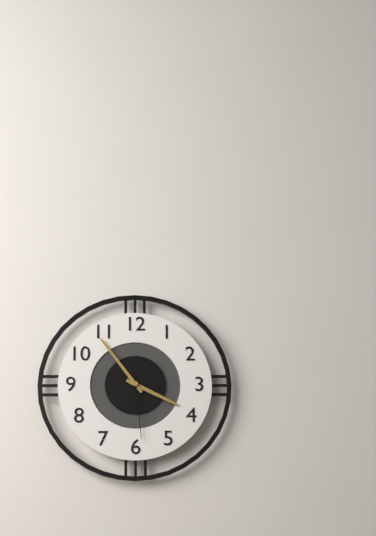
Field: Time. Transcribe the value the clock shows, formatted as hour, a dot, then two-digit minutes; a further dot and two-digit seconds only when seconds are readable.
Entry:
3.54.29
